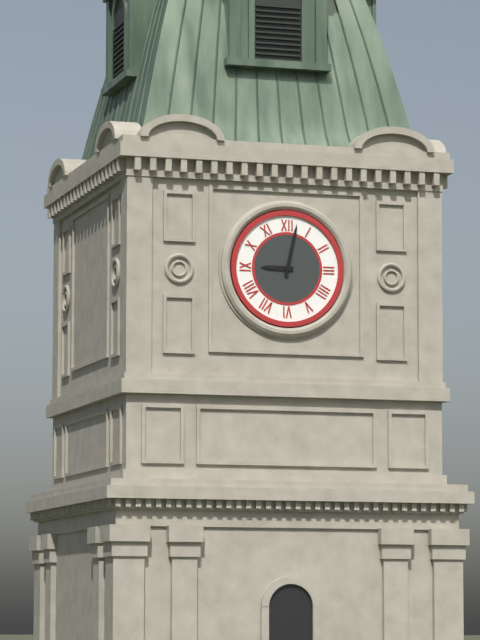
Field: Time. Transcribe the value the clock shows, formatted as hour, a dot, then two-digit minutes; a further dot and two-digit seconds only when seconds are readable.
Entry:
9.02
